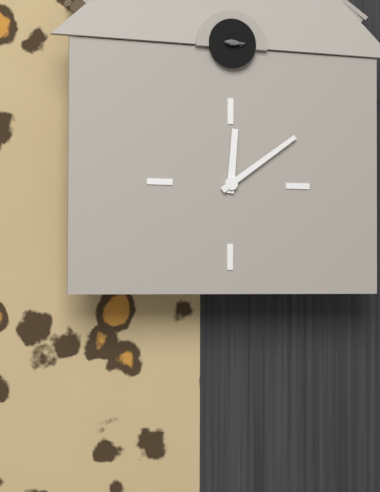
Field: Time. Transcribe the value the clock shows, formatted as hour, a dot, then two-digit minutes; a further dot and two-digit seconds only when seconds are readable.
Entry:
12.09
